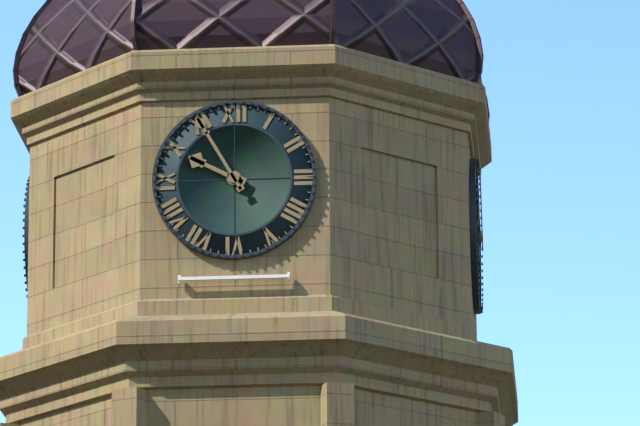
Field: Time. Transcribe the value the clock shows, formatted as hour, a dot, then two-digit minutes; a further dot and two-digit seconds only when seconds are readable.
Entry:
9.55
